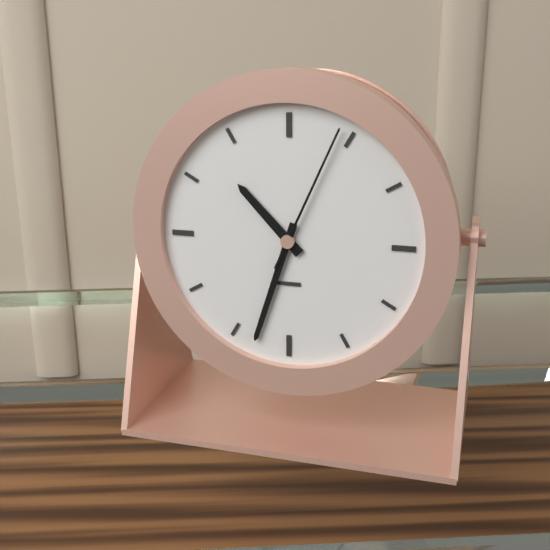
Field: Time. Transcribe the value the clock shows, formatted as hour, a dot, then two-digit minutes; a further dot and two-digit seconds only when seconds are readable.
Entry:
10.33.04
